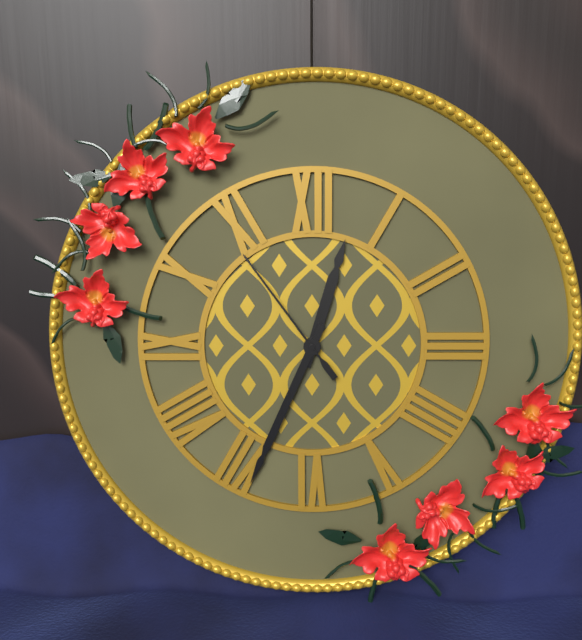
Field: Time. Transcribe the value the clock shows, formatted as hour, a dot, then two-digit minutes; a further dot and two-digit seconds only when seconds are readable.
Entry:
12.34.54
